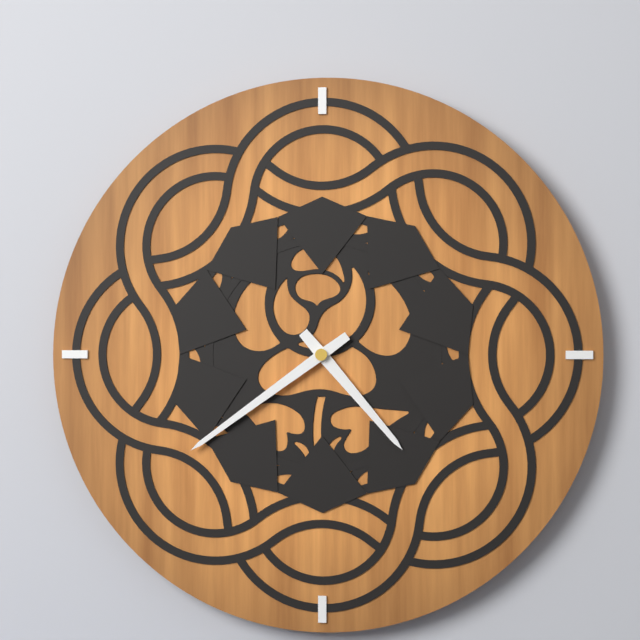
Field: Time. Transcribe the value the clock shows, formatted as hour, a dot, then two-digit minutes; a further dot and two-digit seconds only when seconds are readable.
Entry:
4.39
